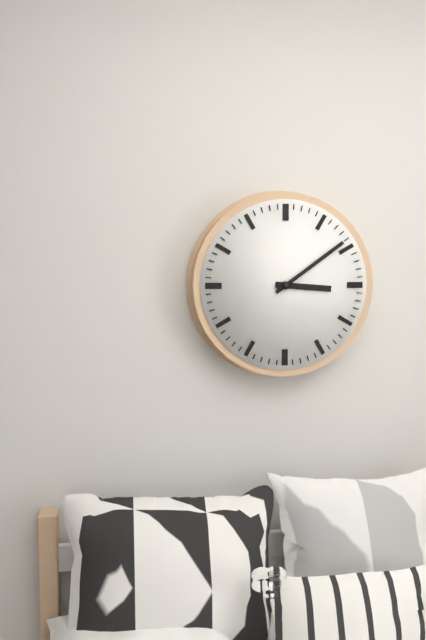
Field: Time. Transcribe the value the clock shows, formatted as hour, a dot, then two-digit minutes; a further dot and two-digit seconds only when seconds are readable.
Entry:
3.09
